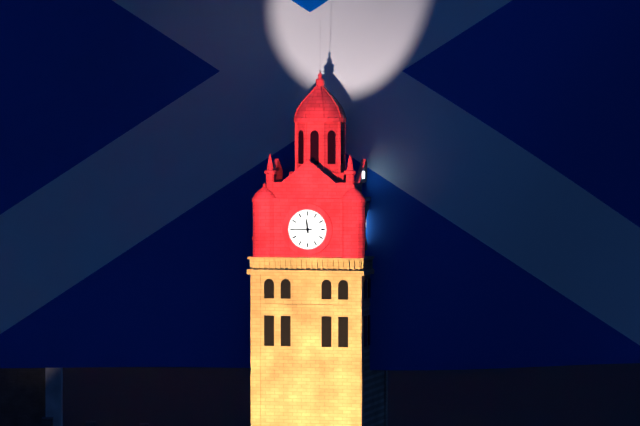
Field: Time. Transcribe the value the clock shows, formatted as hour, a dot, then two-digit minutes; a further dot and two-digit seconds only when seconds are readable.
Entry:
11.45
